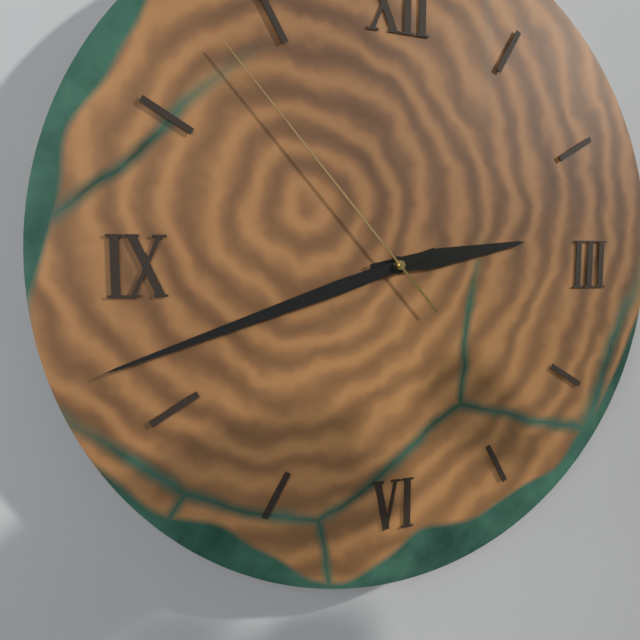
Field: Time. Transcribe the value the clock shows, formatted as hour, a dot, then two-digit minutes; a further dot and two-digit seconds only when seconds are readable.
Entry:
2.42.53
